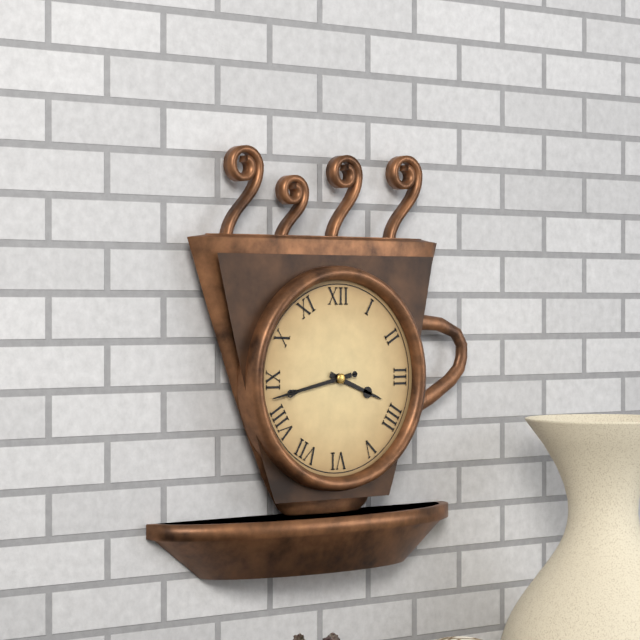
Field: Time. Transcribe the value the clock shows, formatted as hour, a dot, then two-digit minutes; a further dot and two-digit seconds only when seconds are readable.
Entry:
3.43.43
